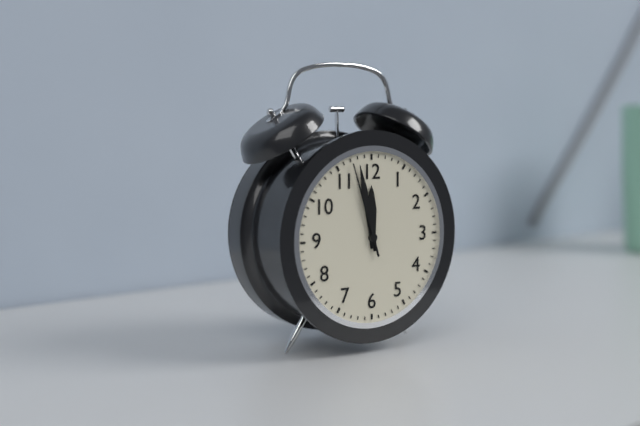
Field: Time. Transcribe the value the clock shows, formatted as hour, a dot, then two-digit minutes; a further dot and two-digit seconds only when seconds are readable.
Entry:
11.58.57
